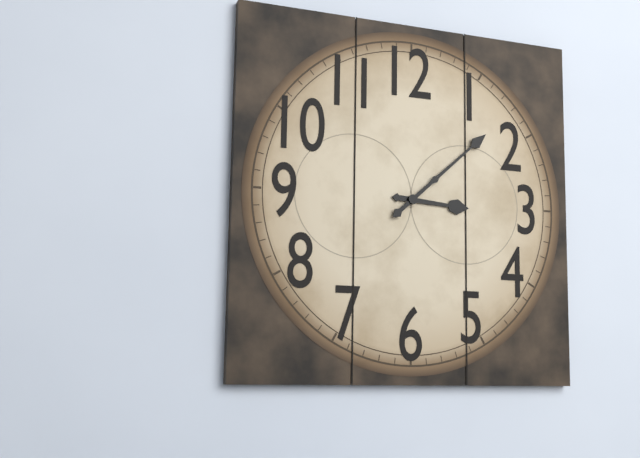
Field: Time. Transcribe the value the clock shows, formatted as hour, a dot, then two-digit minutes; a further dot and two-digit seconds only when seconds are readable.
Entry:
3.08
